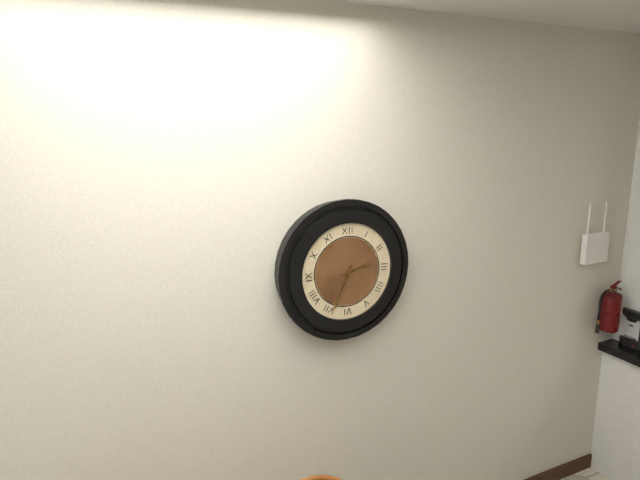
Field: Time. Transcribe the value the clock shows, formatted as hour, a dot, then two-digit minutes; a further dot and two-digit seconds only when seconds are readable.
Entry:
2.34
